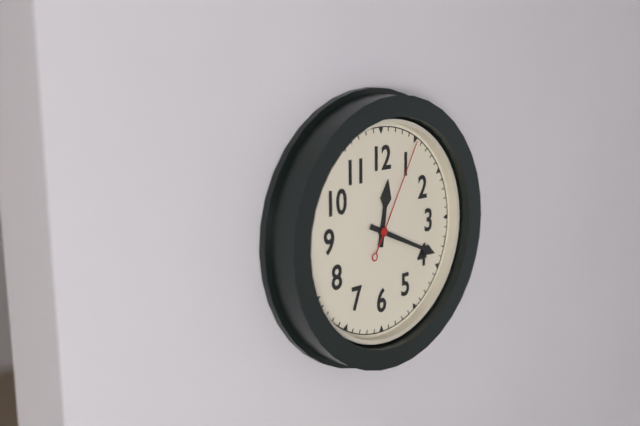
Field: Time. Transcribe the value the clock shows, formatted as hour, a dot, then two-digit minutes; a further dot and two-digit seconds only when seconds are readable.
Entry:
12.19.05
